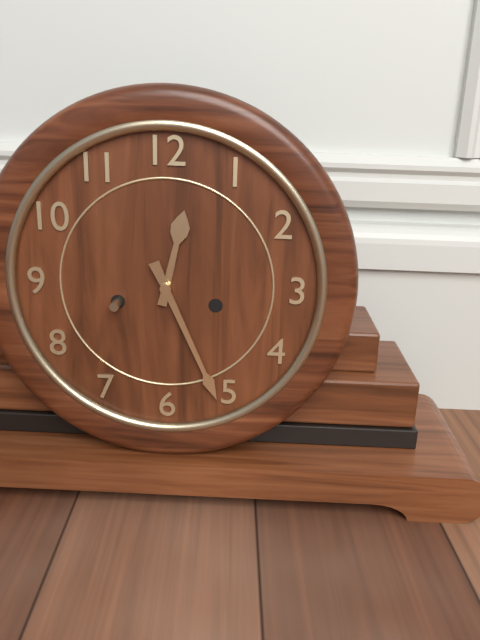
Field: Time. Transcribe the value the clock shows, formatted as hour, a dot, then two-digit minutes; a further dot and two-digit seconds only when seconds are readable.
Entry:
12.26
